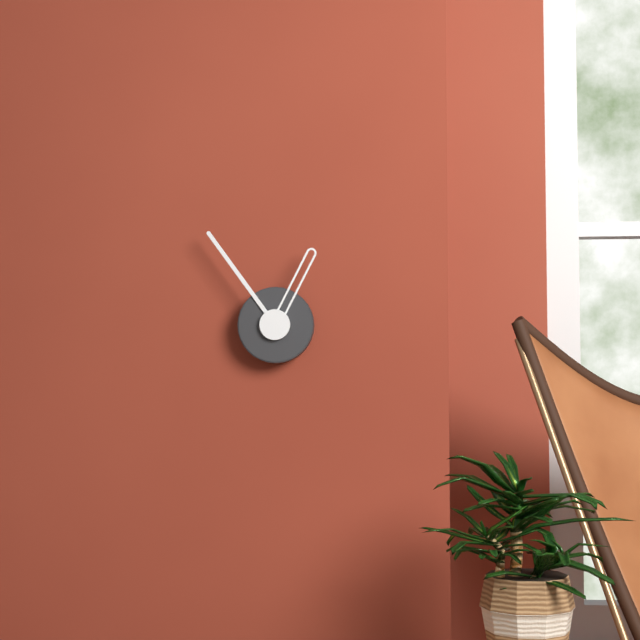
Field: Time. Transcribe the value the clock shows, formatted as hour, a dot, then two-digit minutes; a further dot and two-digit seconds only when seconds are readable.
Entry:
12.54
